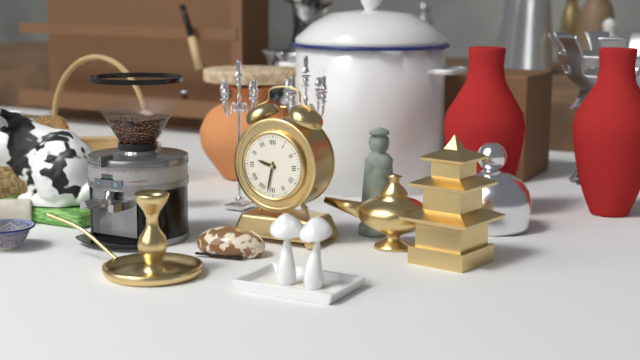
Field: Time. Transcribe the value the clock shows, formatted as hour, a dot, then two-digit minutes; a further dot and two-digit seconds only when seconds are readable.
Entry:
9.32
